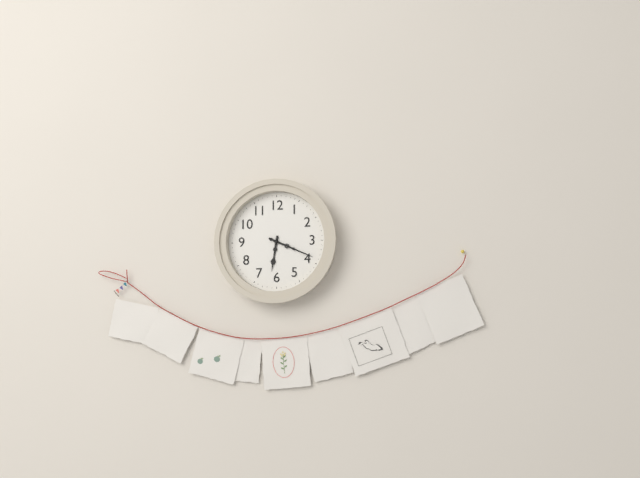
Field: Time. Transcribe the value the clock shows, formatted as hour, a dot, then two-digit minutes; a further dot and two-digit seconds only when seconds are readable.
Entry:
6.19
